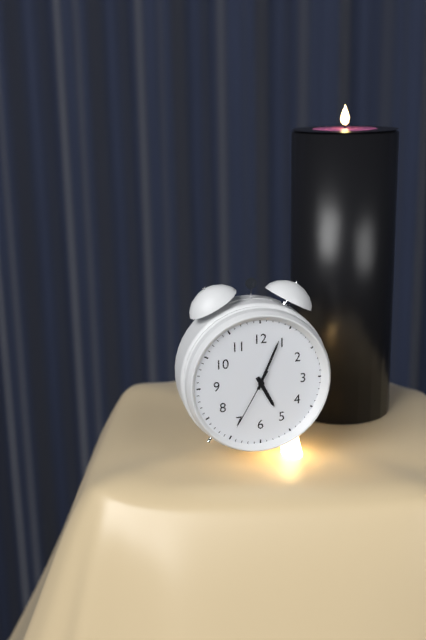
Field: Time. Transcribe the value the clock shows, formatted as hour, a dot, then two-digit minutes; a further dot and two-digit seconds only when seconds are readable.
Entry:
5.04.35
